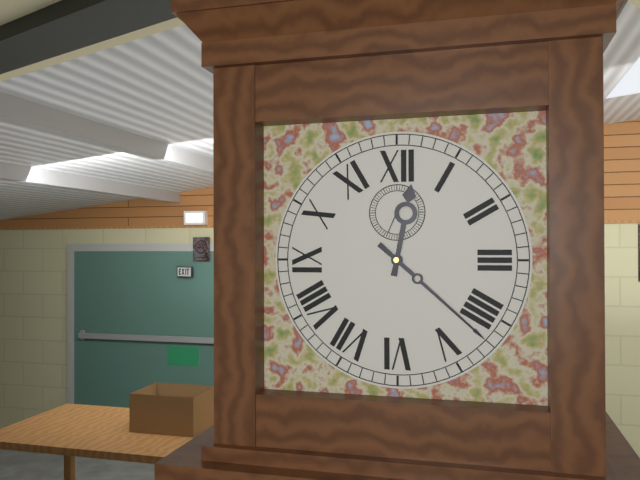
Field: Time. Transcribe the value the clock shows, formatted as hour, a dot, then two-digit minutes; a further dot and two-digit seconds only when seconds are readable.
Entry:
12.22
